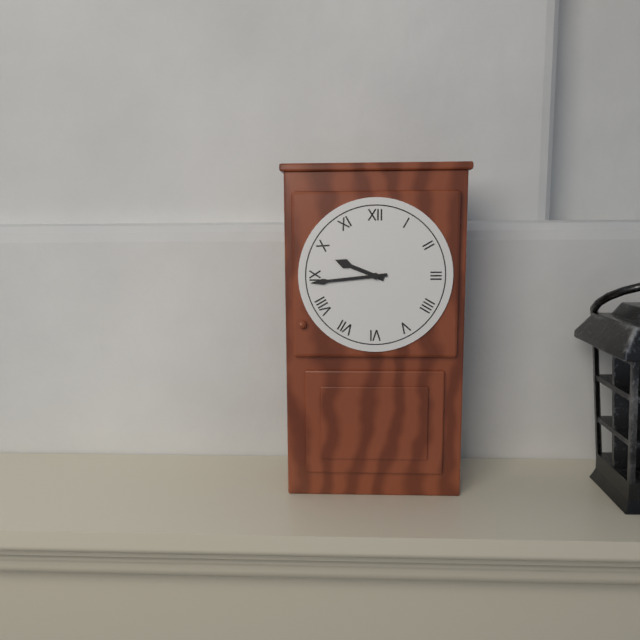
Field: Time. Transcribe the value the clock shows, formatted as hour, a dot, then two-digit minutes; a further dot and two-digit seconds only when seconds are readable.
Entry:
9.44
